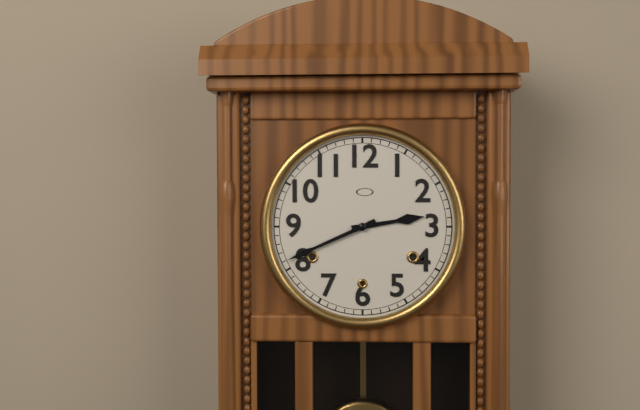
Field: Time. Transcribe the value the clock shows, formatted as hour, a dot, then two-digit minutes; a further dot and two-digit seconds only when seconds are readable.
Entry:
2.41
